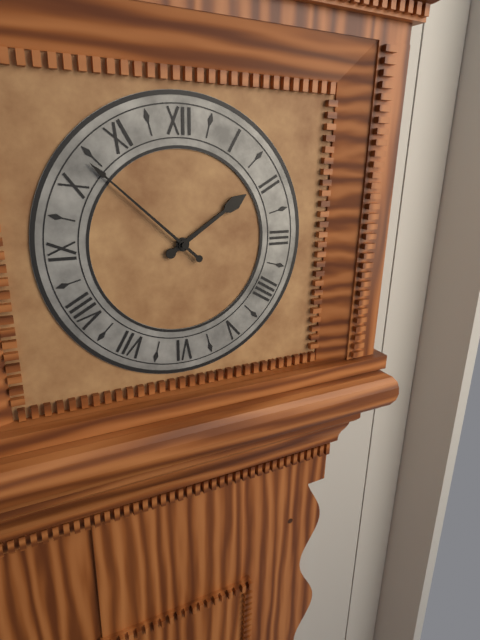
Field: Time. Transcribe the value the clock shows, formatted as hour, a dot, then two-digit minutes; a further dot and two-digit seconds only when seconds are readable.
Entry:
1.52
